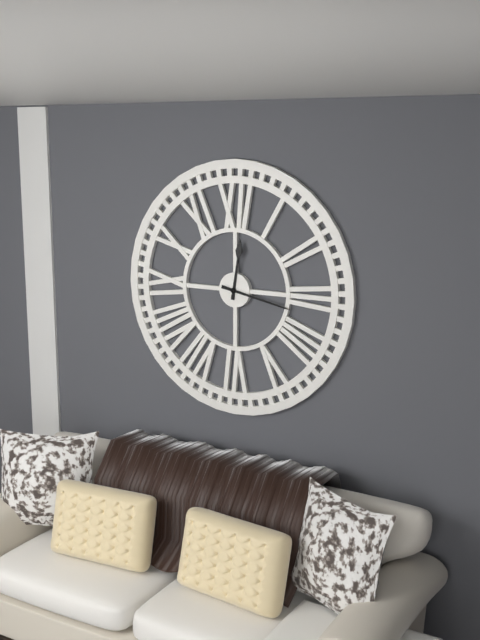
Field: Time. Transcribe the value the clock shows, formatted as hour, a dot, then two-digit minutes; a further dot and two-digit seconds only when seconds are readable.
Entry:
12.17
